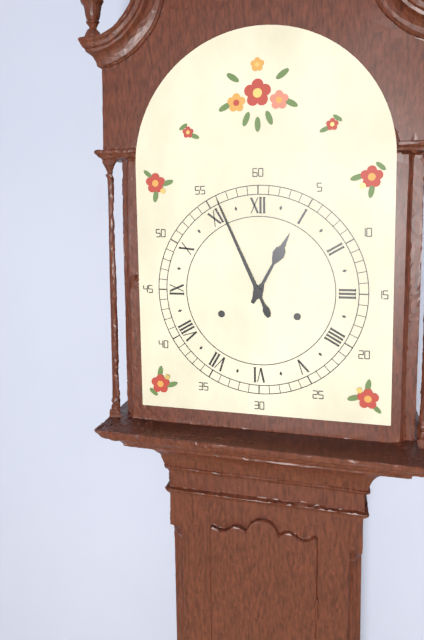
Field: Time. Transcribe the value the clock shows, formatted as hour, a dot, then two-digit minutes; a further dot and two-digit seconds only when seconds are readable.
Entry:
12.56
